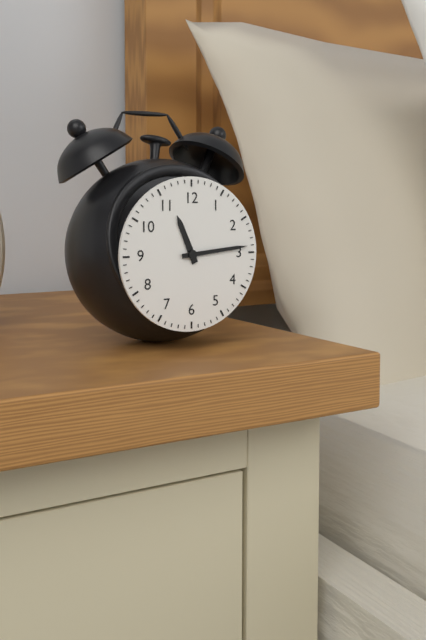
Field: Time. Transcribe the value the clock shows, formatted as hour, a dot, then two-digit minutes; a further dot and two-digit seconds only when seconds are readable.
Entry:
11.14
